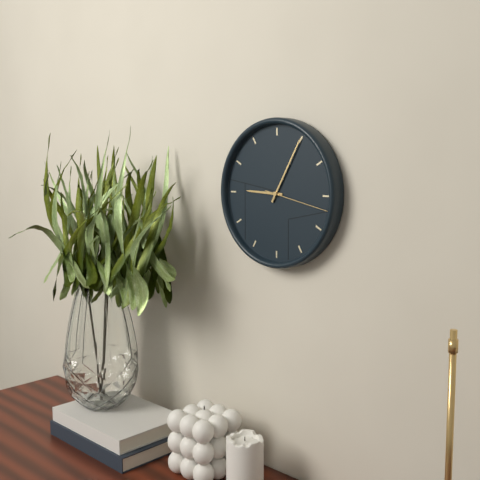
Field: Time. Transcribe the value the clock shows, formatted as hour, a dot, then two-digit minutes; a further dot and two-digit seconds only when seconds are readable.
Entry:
9.05.17
